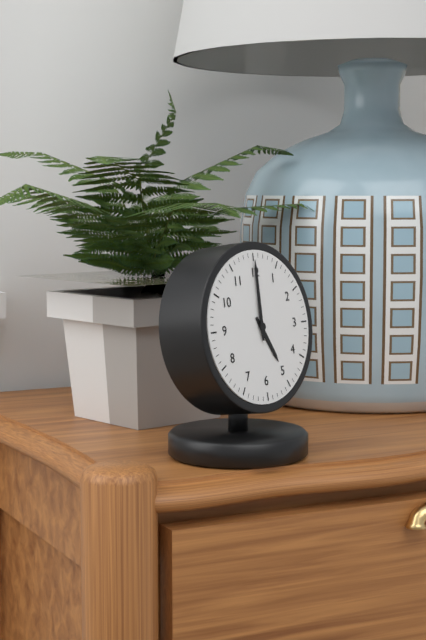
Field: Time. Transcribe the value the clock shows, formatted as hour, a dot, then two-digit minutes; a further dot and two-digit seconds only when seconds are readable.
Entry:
5.00
